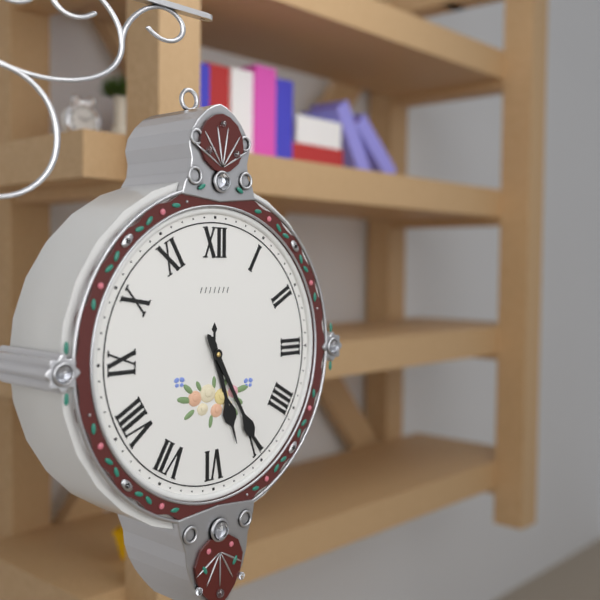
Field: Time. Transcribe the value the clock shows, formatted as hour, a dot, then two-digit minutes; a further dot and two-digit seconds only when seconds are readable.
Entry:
5.25
